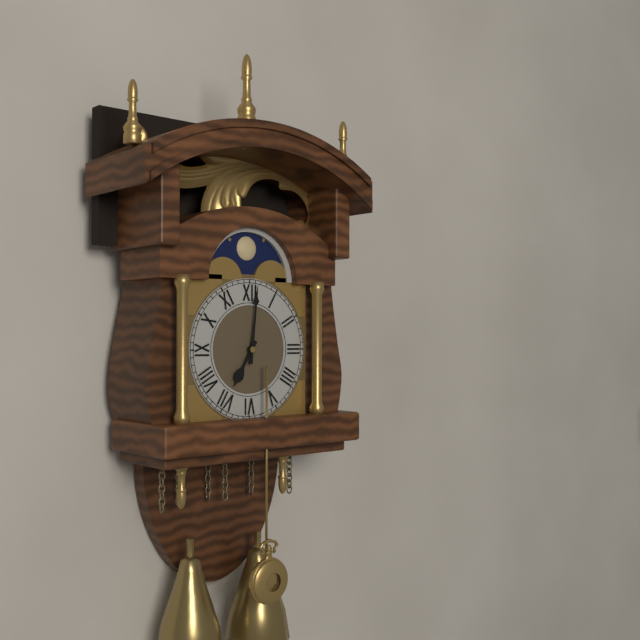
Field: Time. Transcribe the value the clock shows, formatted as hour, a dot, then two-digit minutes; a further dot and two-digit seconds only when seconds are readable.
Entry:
7.01
